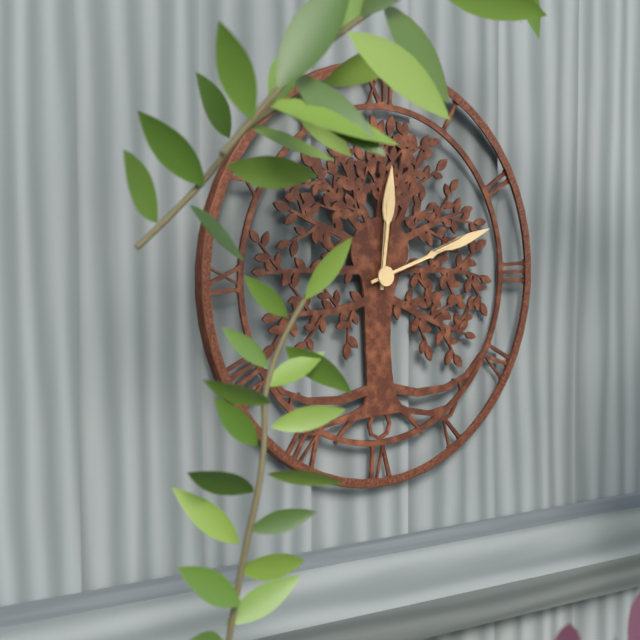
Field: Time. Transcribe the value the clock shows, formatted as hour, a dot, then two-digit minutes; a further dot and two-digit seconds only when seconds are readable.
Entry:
12.12
